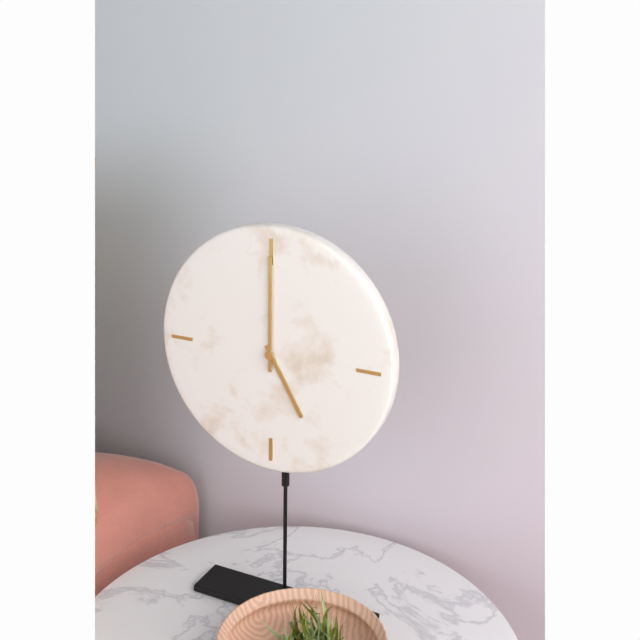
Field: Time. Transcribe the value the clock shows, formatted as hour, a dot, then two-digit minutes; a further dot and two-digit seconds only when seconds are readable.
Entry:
5.00
